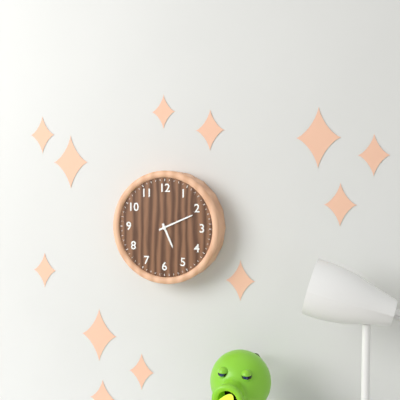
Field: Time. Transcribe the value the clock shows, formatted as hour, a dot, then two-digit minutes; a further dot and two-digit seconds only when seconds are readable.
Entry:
5.11
